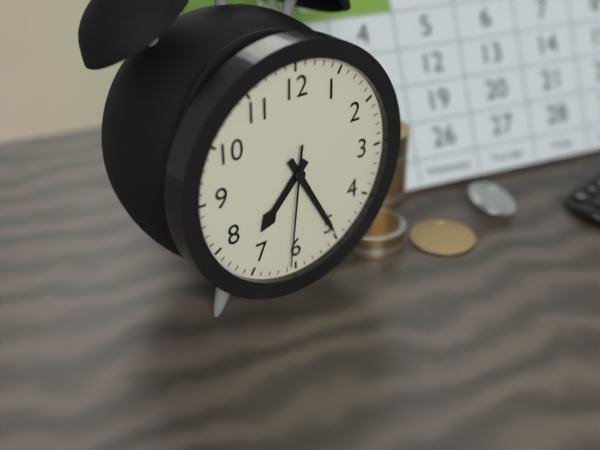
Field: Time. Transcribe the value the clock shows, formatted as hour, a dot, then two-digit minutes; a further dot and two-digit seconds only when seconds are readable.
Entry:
7.25.31
